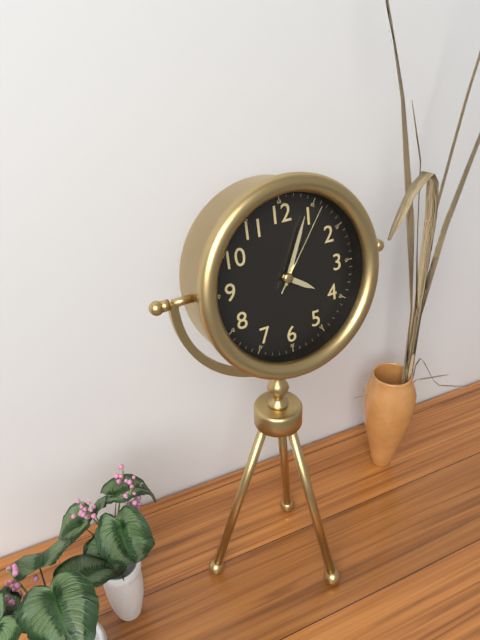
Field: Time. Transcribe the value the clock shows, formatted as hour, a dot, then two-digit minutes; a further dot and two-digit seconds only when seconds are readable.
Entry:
4.04.06
